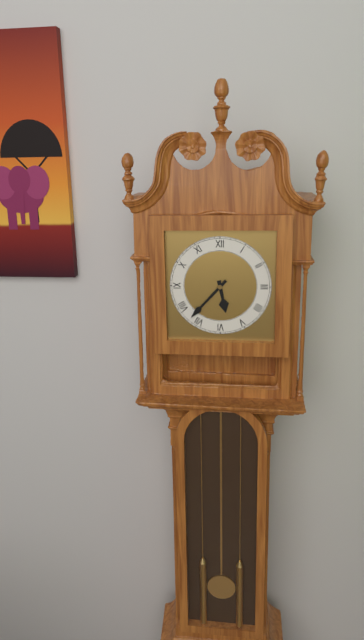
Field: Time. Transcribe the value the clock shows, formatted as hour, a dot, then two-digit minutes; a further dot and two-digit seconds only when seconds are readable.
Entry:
5.37
